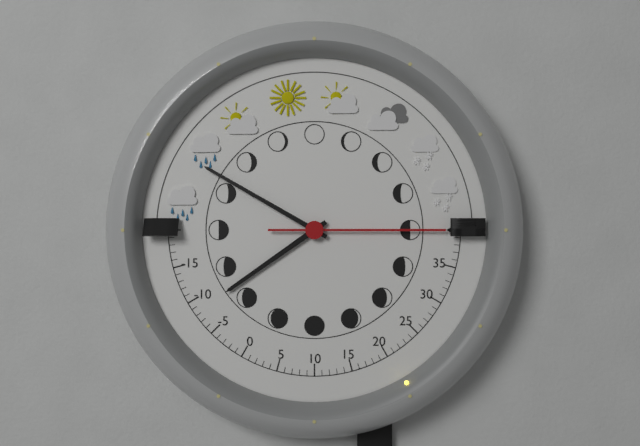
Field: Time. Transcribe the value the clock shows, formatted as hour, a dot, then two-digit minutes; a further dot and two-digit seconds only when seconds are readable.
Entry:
7.50.15
